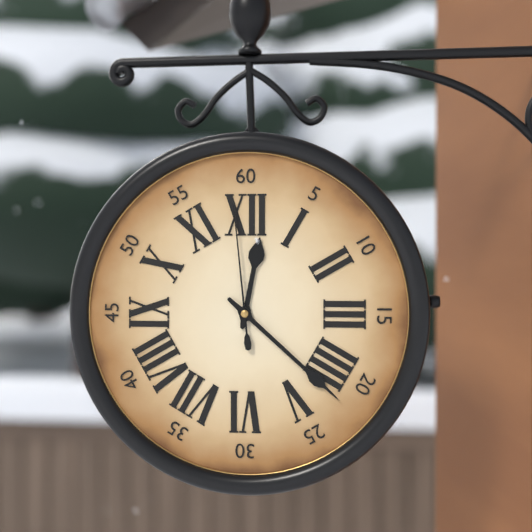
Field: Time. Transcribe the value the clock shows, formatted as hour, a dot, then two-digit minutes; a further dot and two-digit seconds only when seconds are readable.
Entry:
12.22.59
